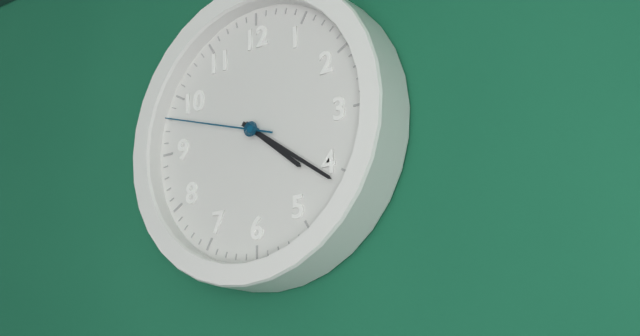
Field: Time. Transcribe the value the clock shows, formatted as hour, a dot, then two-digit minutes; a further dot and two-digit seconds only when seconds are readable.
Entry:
4.21.48
